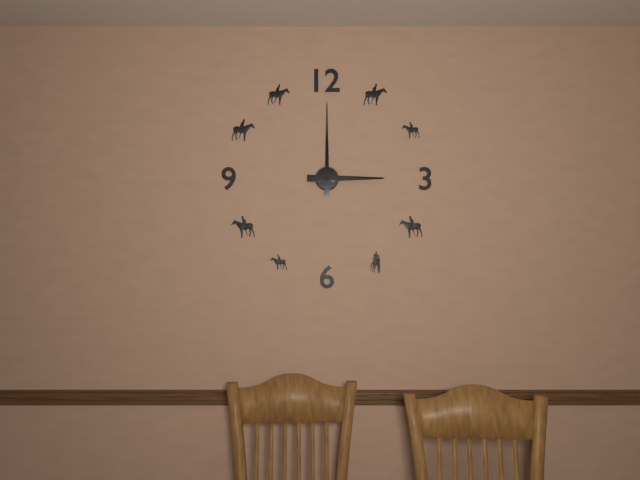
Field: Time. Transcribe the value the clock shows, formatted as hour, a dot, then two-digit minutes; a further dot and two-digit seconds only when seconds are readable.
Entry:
3.00
